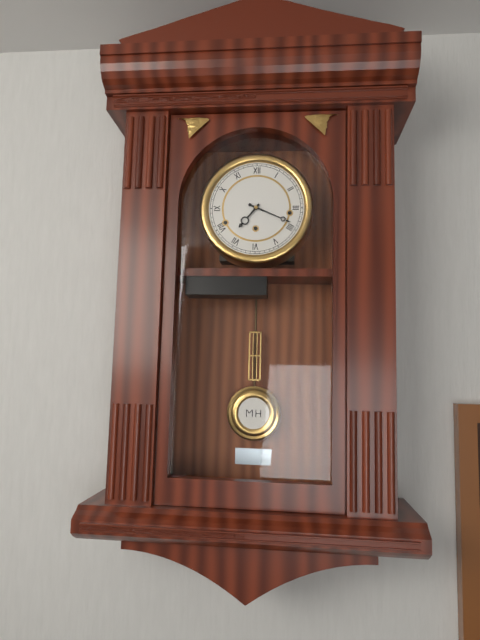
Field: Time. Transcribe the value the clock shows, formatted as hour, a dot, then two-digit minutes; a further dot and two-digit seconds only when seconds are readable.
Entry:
7.19
